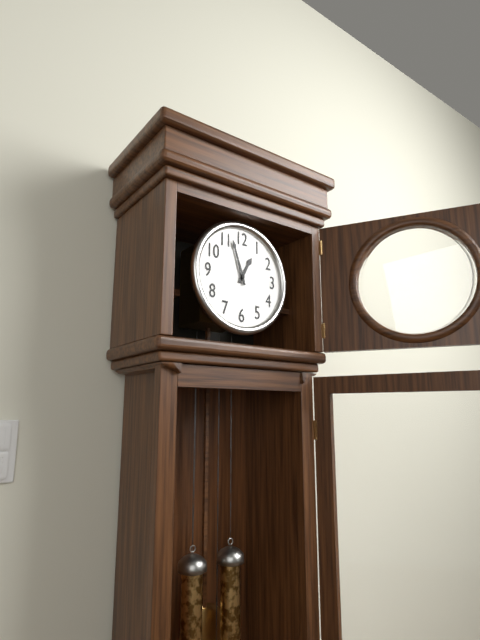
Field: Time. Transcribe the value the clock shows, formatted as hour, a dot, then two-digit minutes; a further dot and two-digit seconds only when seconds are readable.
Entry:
12.57
